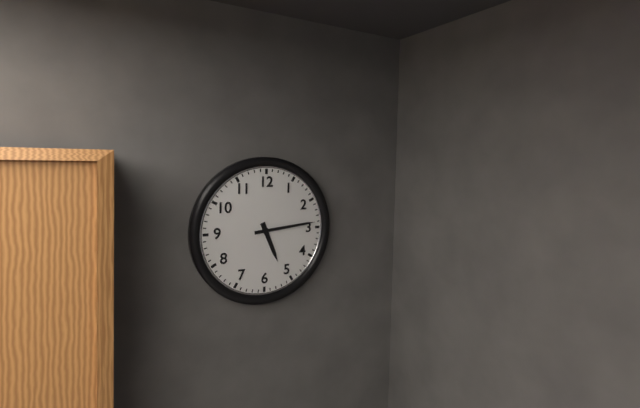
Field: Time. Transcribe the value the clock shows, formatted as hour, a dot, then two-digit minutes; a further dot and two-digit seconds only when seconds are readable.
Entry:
5.14
